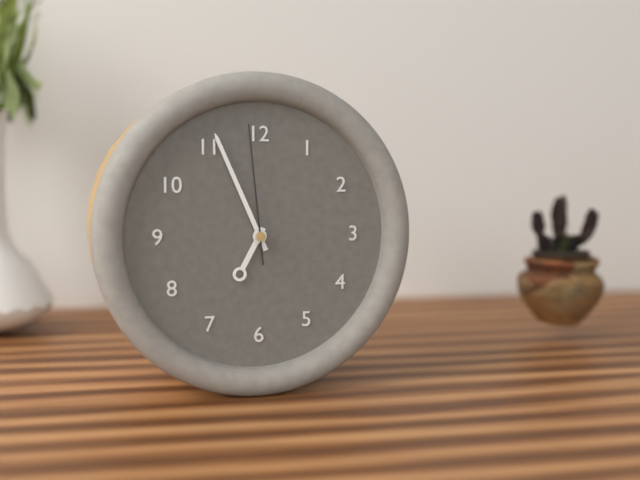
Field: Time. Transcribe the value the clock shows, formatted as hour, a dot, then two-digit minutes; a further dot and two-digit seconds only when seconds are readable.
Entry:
6.56.59
